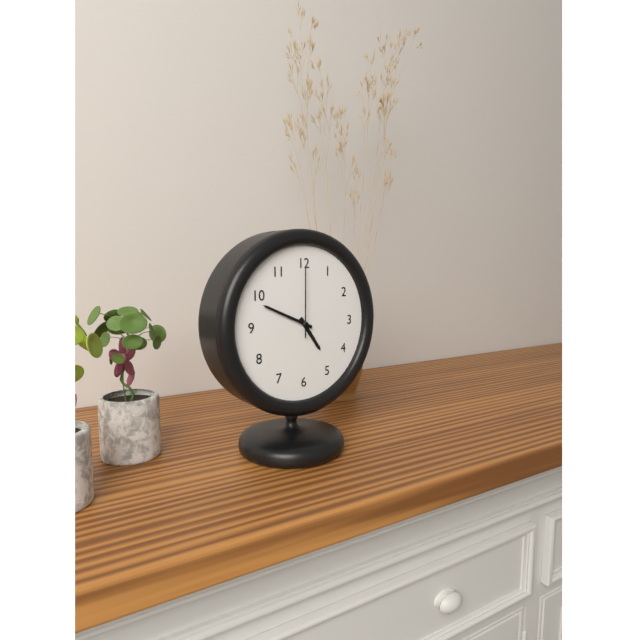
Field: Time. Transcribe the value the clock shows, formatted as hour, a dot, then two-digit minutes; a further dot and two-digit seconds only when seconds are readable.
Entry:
4.49.00
